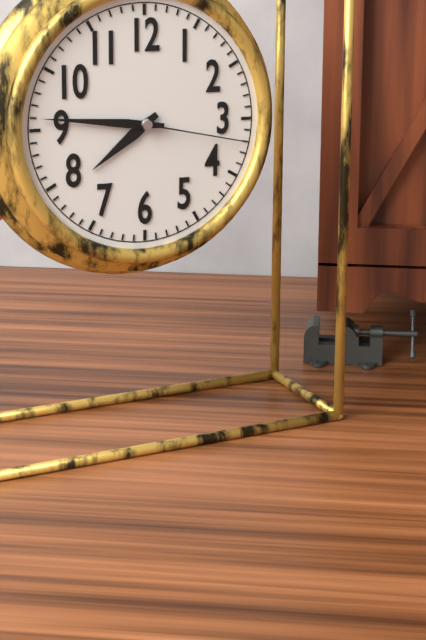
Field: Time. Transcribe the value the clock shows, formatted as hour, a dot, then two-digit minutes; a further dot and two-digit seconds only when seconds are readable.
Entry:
7.46.17
